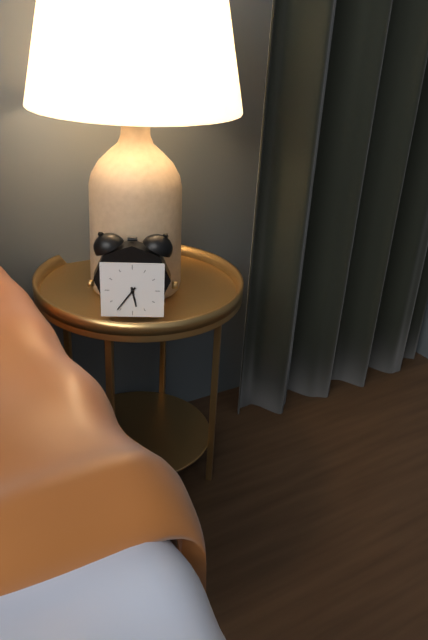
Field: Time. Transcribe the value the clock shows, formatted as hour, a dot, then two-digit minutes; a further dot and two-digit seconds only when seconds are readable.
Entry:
5.36
